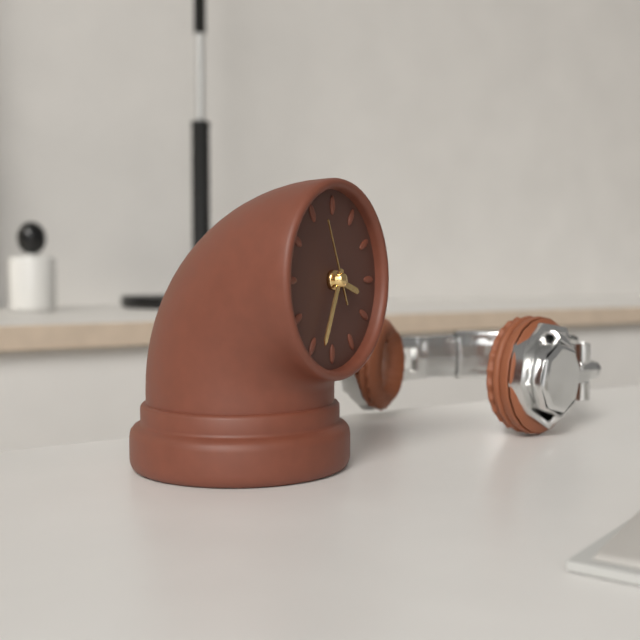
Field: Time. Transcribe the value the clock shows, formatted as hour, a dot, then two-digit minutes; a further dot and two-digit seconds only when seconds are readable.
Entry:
3.34.56
